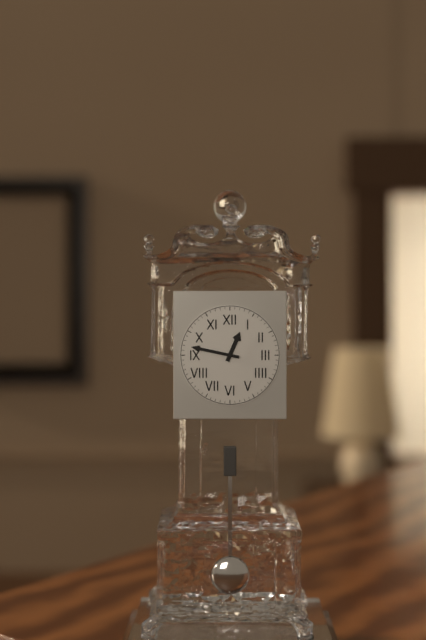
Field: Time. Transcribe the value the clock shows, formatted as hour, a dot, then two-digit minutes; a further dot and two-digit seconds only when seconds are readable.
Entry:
12.47
